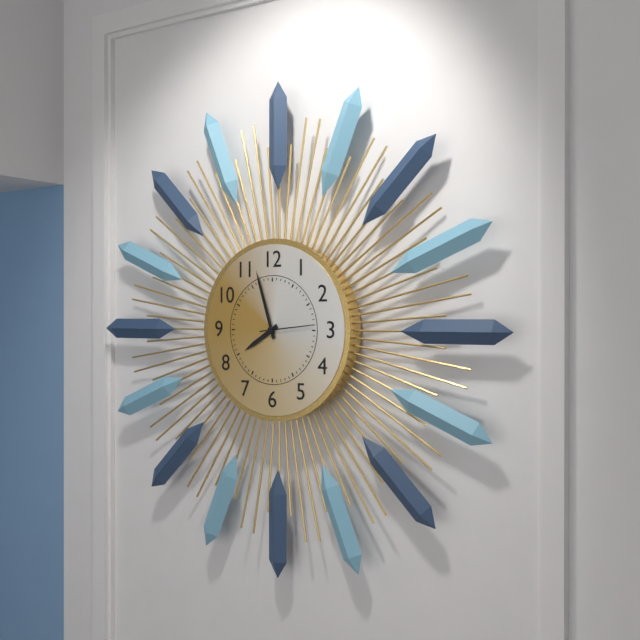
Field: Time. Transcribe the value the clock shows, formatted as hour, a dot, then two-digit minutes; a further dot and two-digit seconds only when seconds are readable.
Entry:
7.57.14
